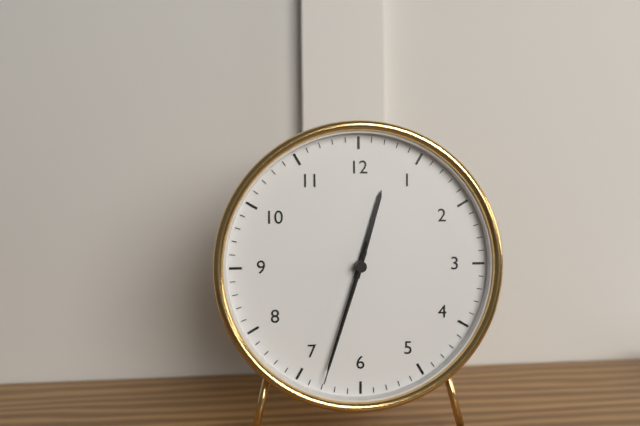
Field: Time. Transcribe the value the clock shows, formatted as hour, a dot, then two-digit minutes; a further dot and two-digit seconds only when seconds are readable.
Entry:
12.33.33
